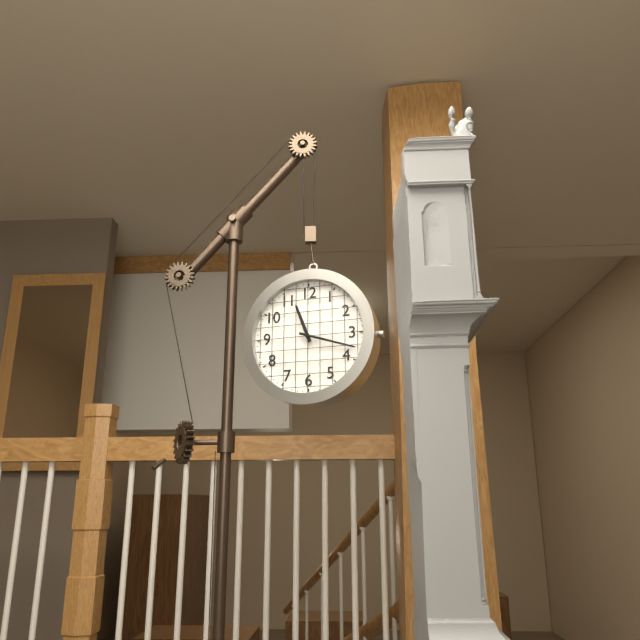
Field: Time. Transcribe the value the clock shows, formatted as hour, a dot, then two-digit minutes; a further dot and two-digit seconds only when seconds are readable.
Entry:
11.18
